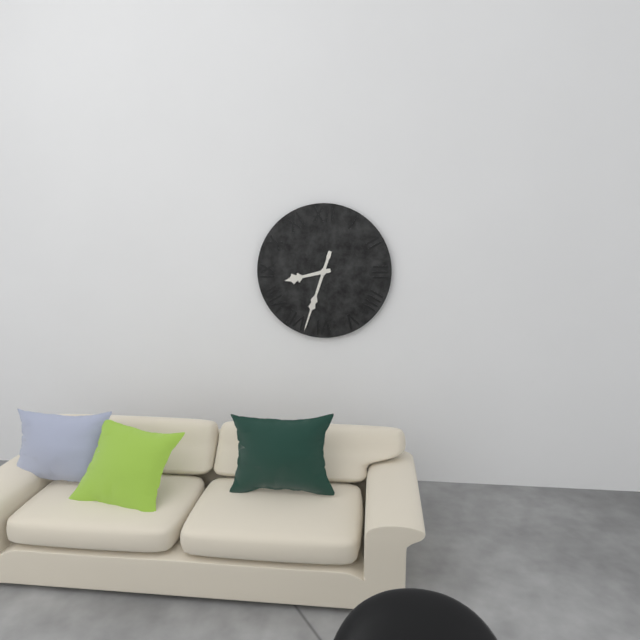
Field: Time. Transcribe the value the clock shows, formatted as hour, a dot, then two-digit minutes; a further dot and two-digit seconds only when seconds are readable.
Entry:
8.33
